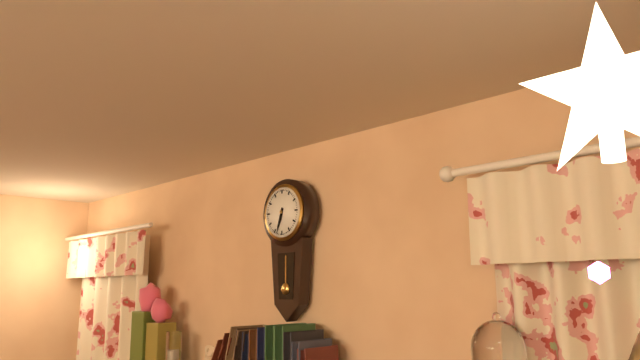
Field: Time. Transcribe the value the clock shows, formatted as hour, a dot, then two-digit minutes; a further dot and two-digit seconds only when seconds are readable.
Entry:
6.33
